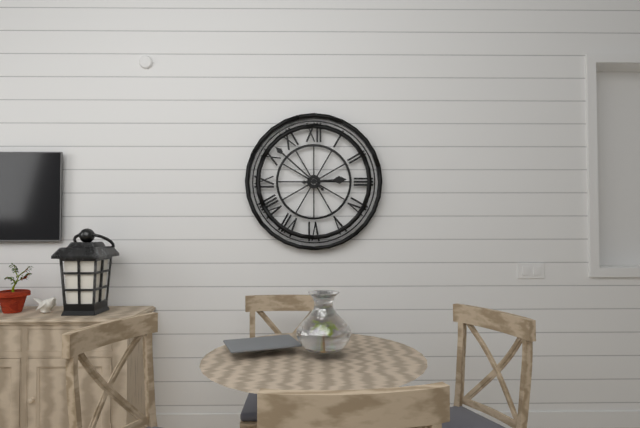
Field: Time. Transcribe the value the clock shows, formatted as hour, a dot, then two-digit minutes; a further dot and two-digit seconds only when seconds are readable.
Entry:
2.52
